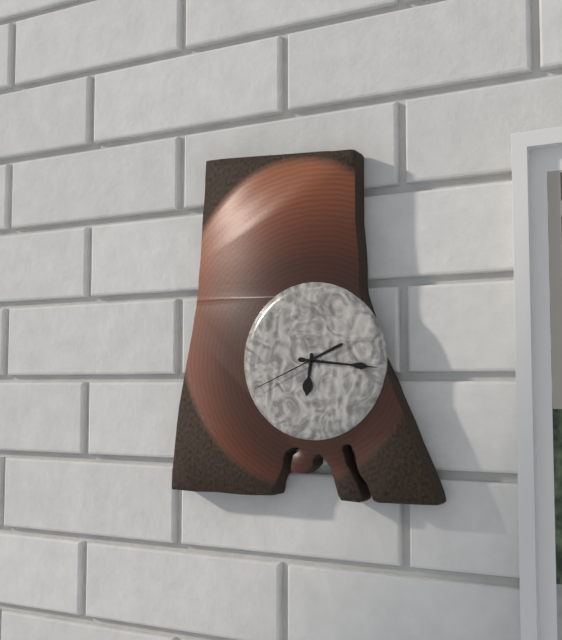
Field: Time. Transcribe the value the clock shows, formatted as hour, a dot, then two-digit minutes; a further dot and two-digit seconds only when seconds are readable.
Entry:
6.16.41
